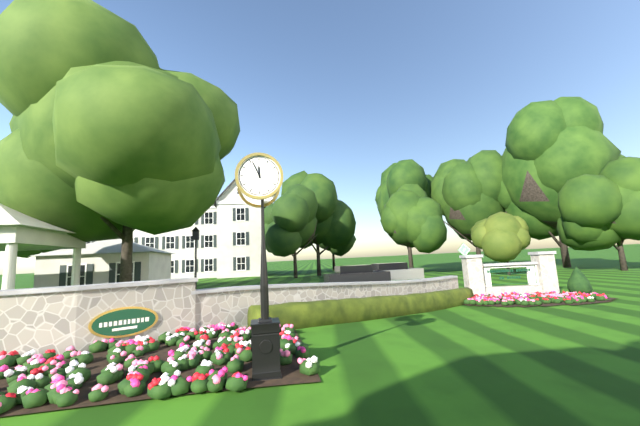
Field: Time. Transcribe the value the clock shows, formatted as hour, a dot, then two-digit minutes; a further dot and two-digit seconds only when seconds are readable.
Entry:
11.56
